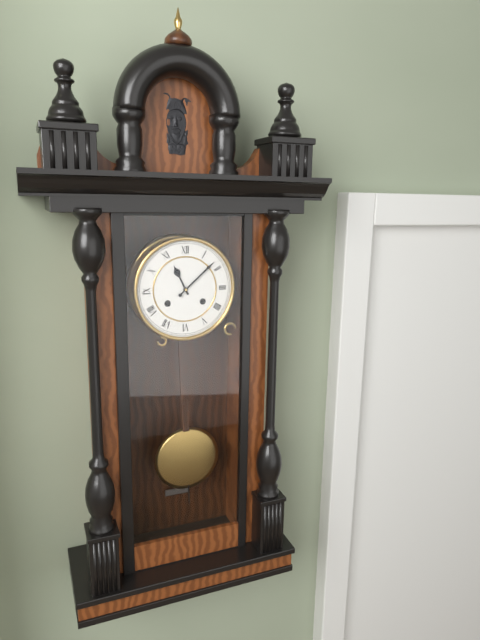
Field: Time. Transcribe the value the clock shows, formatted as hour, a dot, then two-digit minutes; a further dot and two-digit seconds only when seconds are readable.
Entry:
11.08
